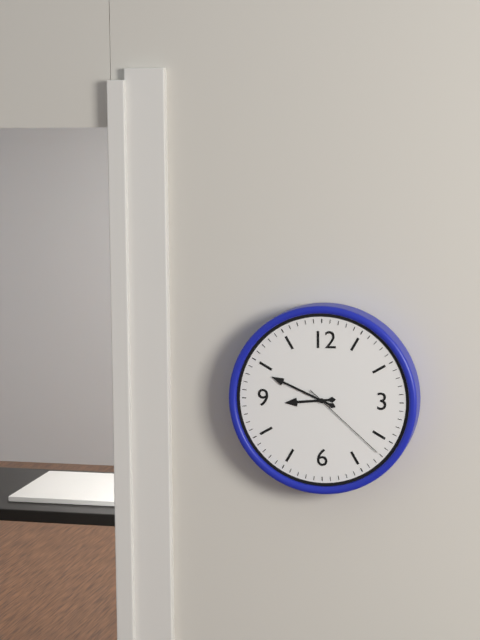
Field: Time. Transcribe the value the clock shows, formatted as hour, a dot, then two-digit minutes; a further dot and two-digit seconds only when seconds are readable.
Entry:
8.49.22
